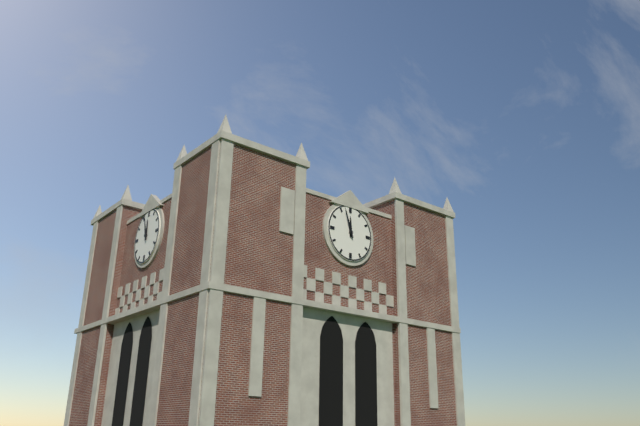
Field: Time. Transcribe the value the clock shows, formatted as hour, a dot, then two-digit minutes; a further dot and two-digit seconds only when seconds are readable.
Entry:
11.57
